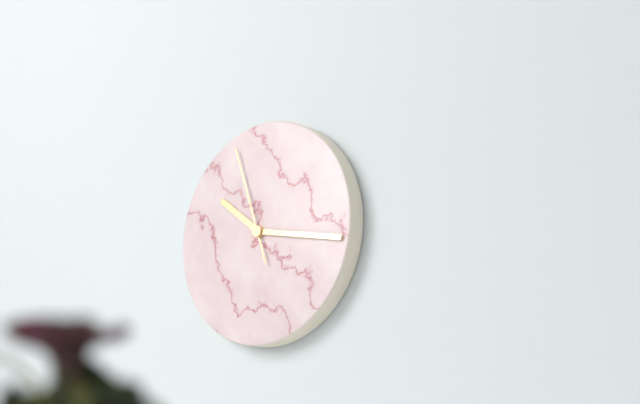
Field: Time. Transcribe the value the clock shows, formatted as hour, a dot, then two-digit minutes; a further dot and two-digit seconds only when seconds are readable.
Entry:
10.17.57
